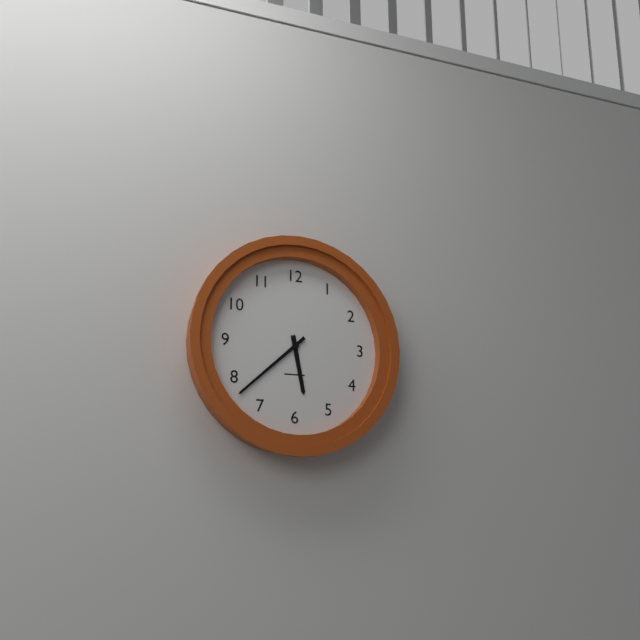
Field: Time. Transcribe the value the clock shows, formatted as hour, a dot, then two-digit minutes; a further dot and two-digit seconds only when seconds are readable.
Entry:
5.38
